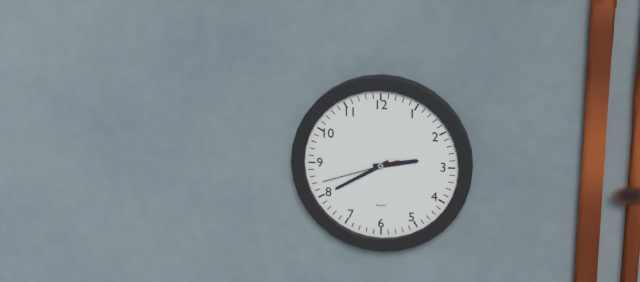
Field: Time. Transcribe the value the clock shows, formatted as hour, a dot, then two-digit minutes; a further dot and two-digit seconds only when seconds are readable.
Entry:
2.40.42
